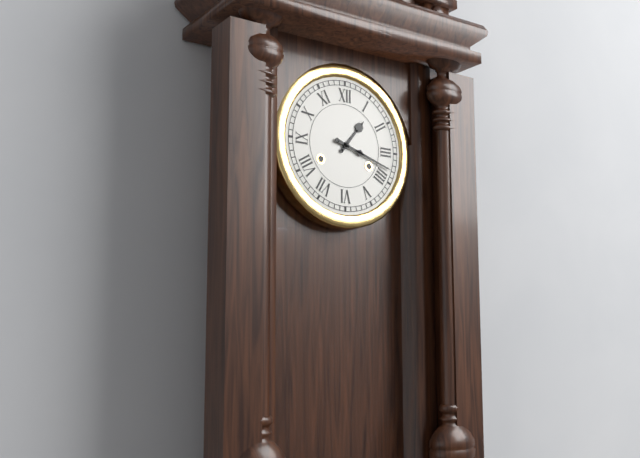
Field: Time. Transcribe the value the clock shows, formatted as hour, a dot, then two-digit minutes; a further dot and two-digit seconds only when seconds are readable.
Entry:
1.18
